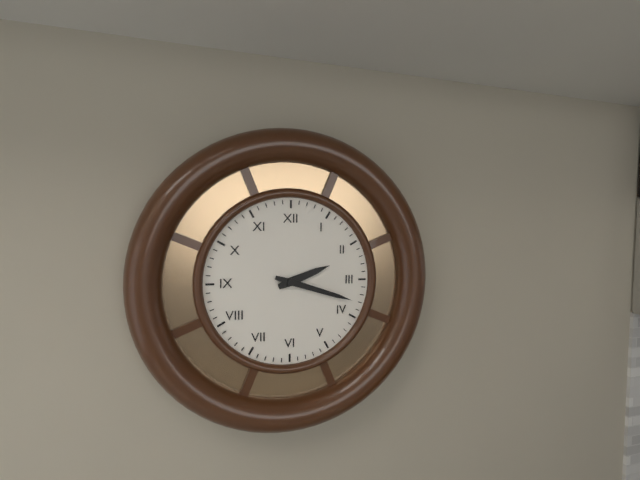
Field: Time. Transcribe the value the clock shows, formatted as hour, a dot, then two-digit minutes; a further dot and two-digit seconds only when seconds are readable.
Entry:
2.18
